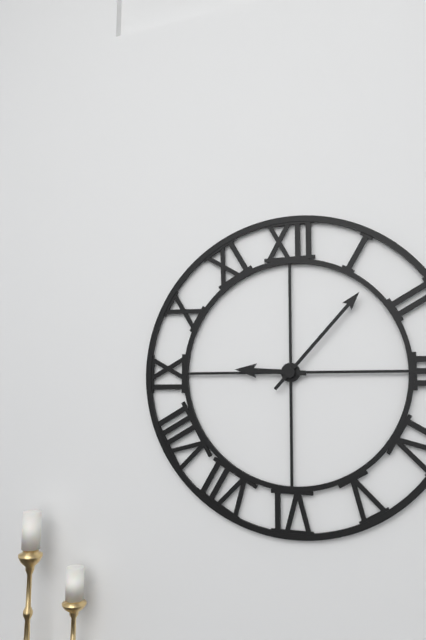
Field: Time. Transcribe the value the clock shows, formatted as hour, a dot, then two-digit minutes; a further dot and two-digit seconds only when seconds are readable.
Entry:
9.07
